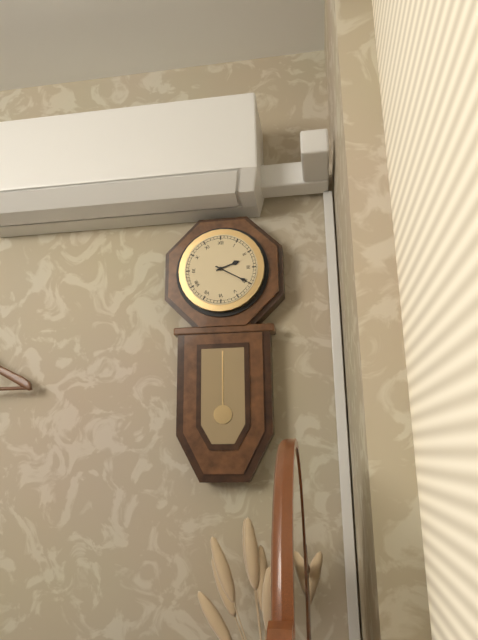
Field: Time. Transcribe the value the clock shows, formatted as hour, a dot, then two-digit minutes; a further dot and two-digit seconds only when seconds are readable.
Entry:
2.20
